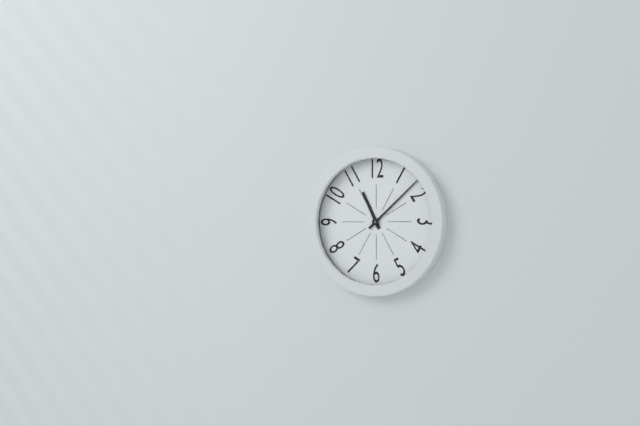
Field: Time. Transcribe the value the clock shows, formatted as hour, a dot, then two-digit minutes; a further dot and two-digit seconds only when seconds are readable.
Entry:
11.08
